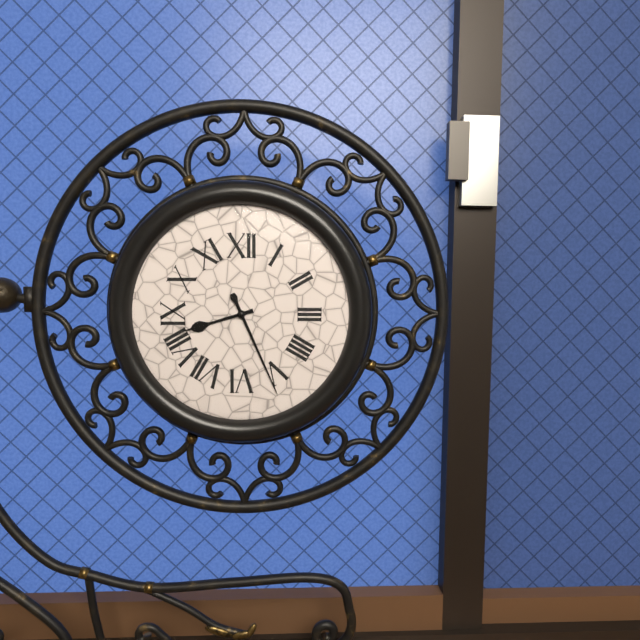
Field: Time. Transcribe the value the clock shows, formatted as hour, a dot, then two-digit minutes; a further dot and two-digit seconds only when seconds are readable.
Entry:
8.26
